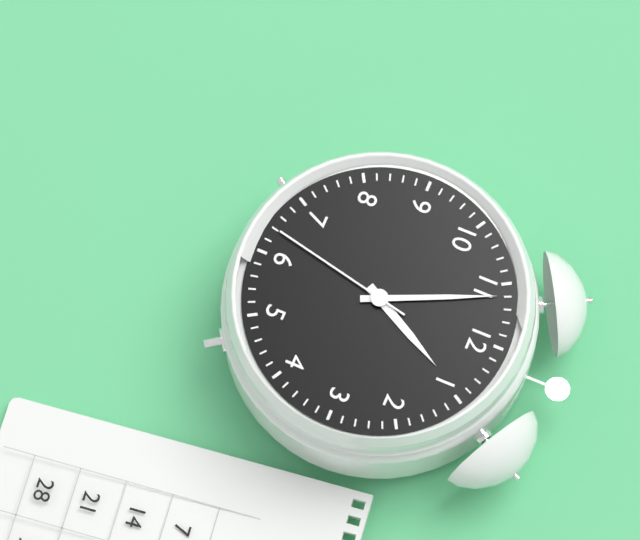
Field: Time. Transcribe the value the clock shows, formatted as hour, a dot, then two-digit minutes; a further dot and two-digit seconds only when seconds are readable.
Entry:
12.56.32
